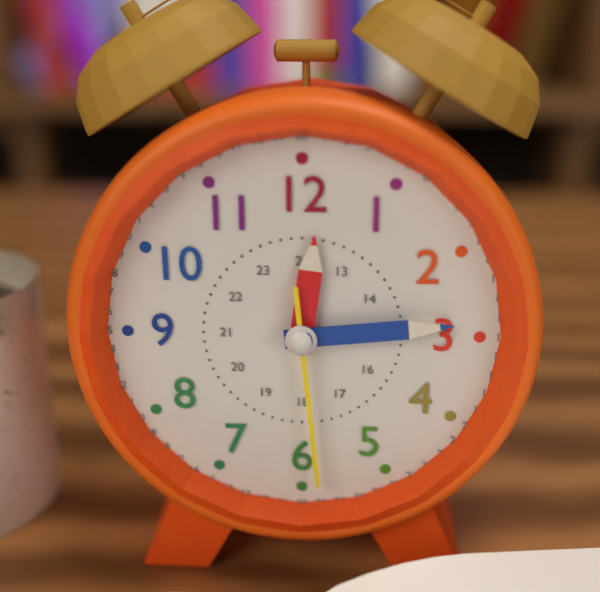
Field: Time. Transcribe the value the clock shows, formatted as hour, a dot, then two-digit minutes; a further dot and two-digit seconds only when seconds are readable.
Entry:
12.14.29
